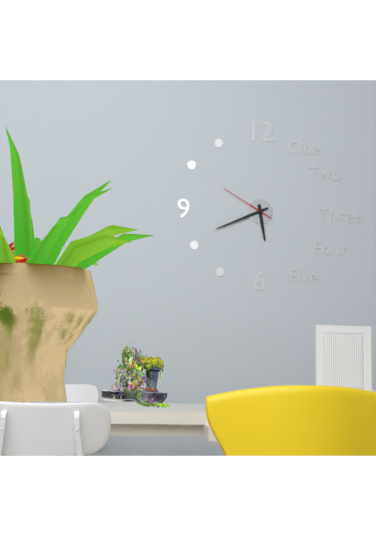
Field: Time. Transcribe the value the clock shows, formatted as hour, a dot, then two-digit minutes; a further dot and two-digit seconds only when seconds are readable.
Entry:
5.41.50
